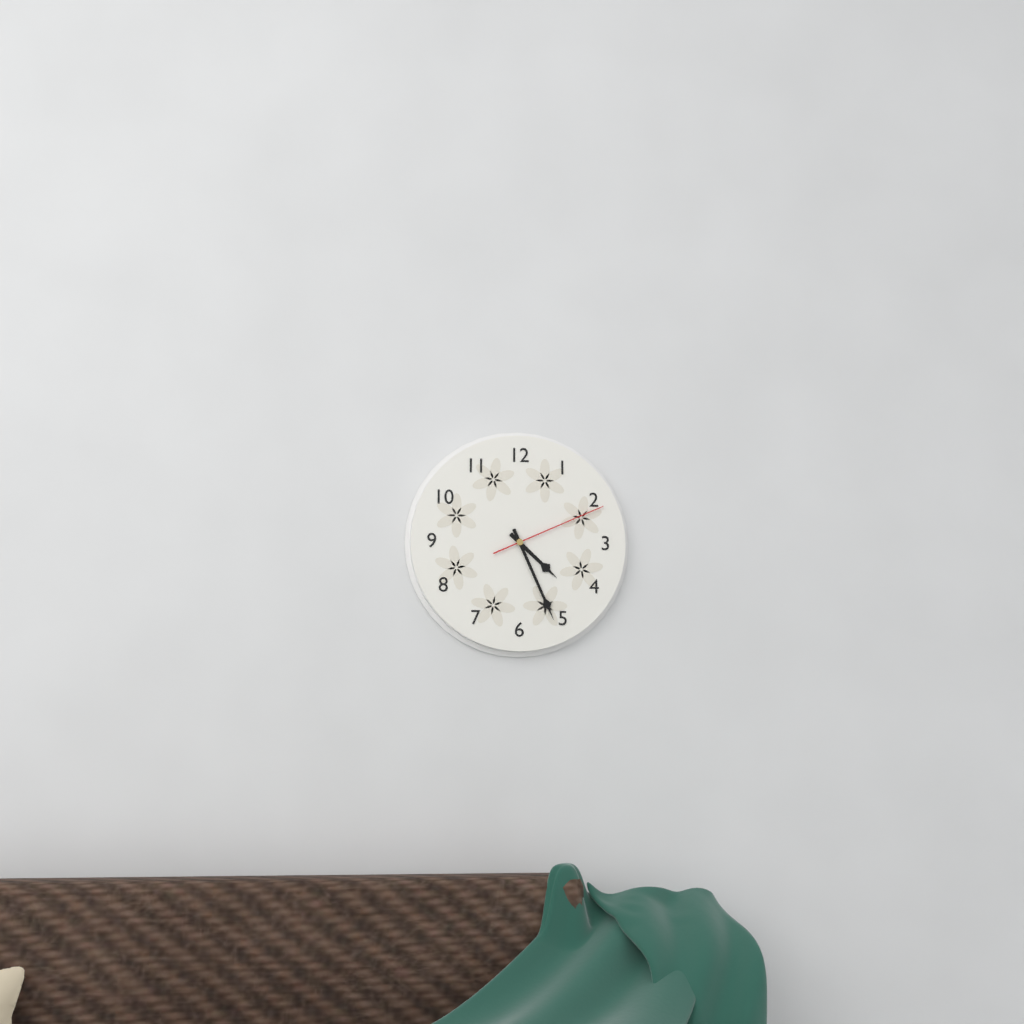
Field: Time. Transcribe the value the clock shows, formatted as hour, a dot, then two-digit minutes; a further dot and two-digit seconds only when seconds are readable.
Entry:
4.26.11
